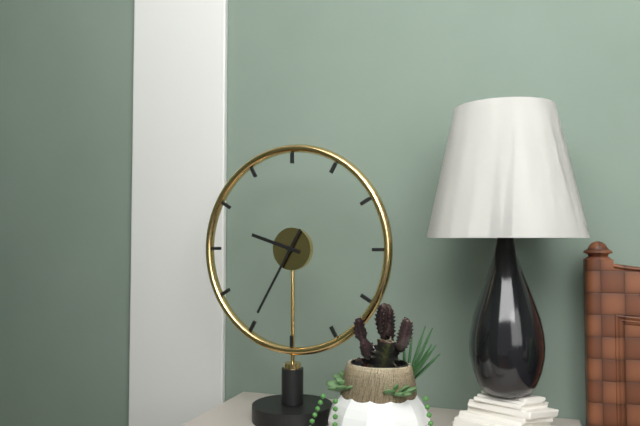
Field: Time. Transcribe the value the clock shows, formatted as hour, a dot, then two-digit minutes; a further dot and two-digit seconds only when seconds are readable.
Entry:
9.35
